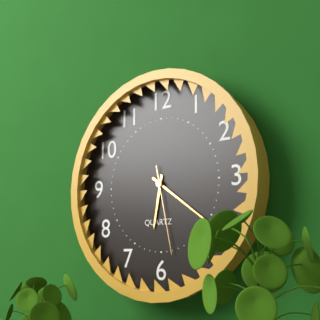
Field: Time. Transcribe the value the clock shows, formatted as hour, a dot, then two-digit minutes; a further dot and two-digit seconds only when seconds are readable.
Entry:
6.21.28
